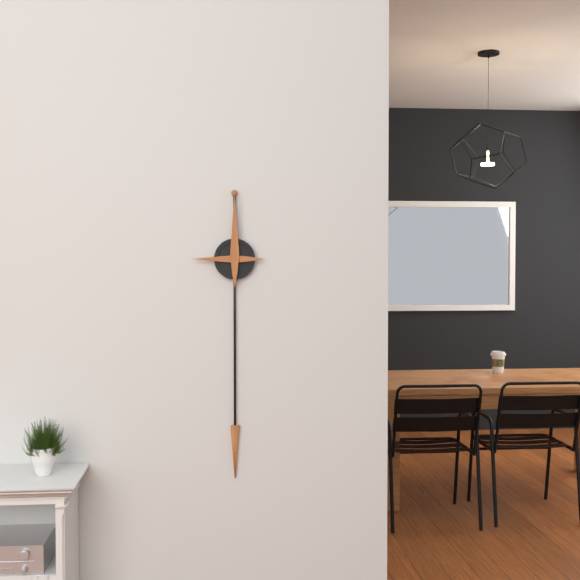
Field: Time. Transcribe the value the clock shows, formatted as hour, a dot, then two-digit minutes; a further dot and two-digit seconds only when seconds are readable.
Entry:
9.00
